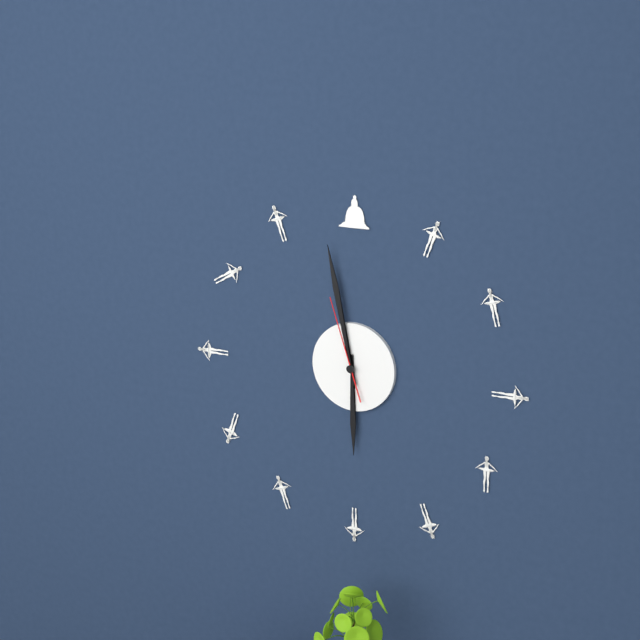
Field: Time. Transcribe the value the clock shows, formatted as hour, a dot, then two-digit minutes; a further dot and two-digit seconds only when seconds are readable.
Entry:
5.58.57
